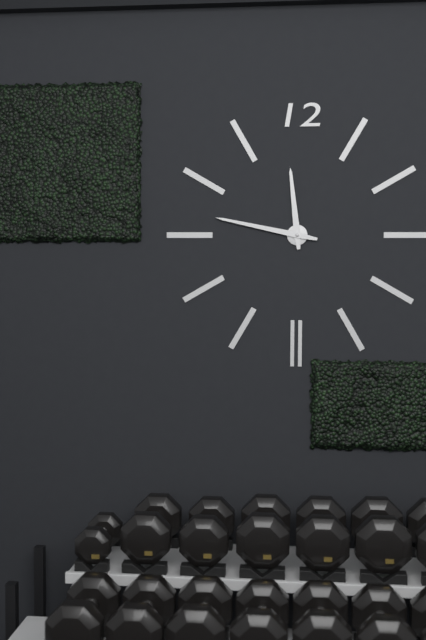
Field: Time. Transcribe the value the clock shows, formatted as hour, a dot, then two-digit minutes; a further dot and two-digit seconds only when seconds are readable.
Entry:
11.47
